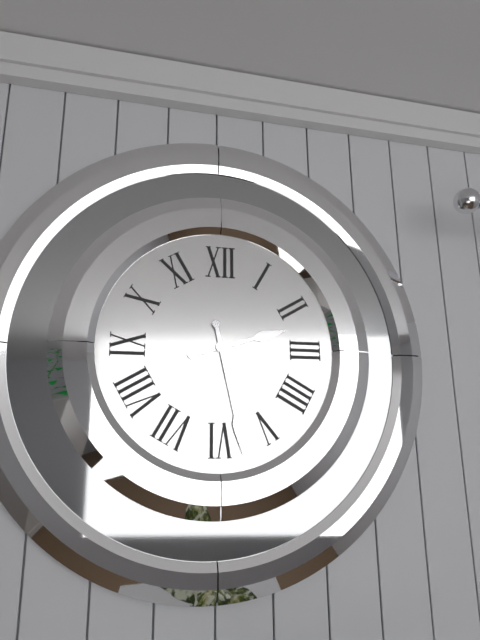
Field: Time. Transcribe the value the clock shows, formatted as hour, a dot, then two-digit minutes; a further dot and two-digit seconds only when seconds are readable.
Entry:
2.28
